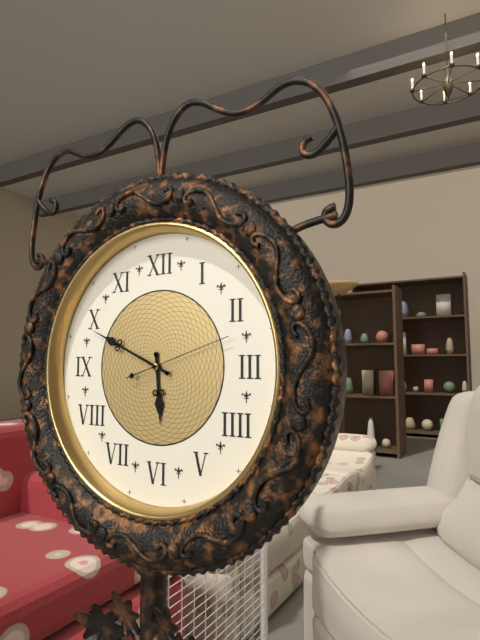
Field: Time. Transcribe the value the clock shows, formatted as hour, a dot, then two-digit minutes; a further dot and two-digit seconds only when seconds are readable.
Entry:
5.49.12
